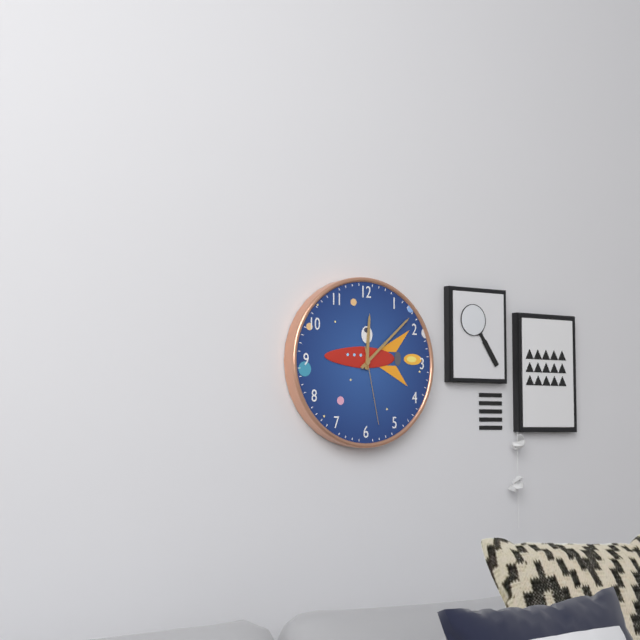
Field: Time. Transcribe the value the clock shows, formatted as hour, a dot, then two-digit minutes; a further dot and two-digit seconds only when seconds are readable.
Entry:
12.08.28
